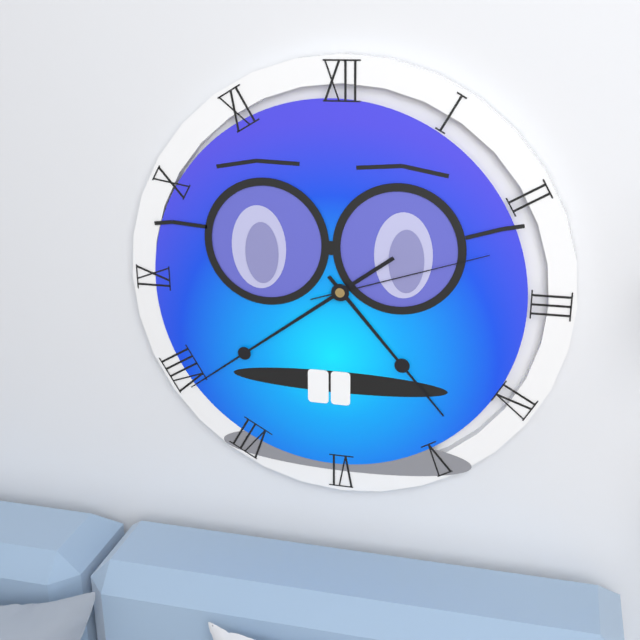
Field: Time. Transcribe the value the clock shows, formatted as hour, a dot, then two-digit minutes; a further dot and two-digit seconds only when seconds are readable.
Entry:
4.39.12
